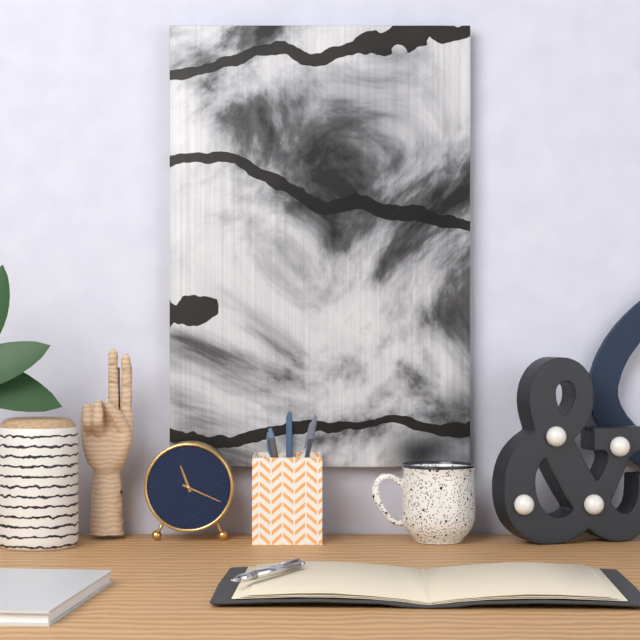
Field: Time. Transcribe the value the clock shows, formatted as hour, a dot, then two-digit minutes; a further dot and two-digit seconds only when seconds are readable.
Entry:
11.19
